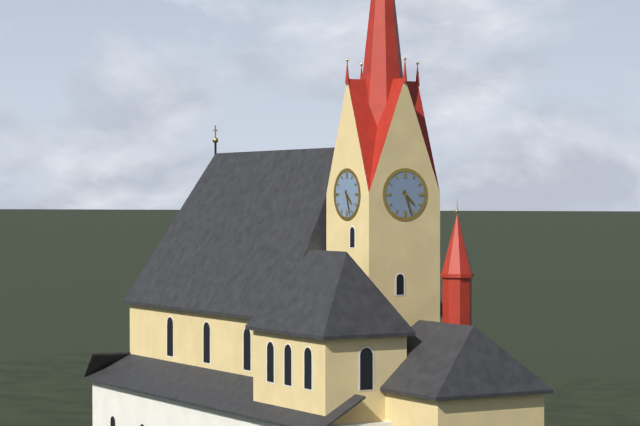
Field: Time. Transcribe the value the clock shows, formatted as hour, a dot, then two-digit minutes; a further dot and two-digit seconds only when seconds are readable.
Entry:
4.27
